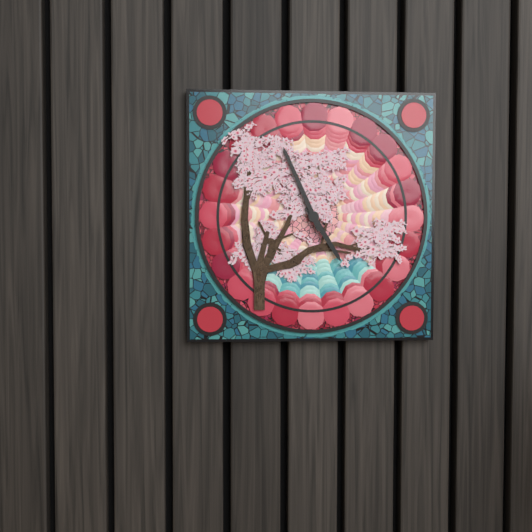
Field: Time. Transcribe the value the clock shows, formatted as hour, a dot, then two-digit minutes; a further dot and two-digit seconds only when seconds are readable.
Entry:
4.56
